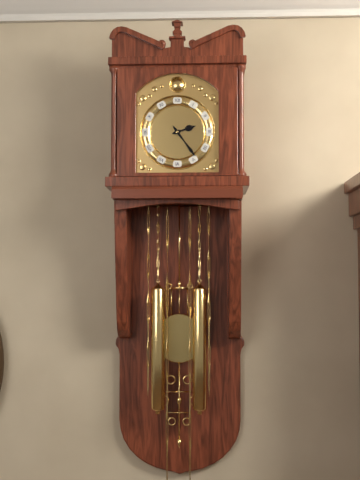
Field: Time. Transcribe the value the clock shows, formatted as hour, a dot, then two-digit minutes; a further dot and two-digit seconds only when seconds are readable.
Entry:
2.24
